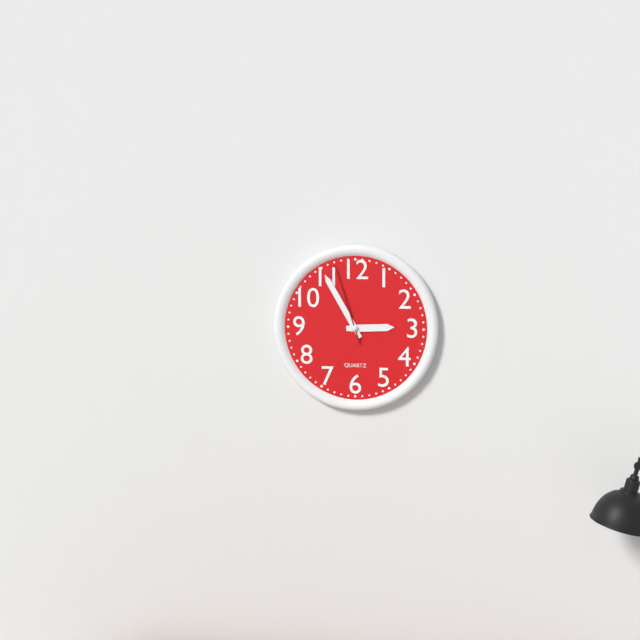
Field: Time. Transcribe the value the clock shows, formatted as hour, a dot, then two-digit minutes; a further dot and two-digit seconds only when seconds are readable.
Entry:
2.55.57
